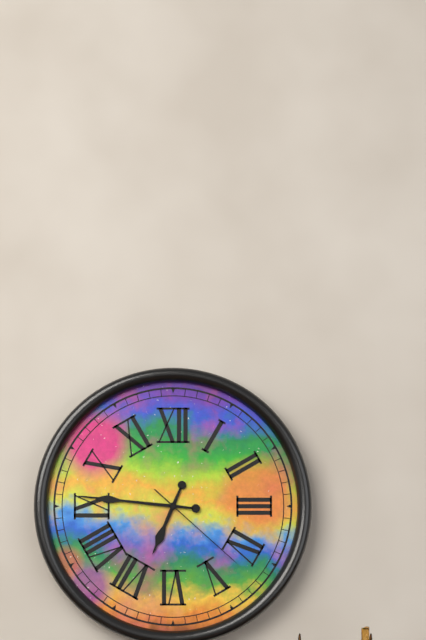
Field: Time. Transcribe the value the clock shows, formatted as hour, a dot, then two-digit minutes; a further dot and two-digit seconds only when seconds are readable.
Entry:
6.46.22
